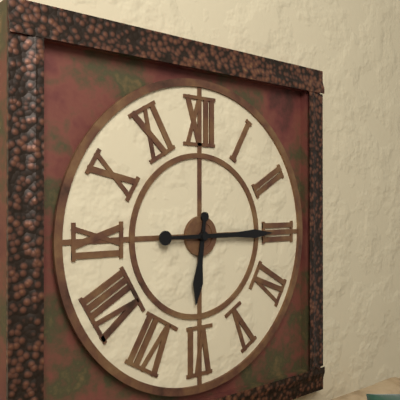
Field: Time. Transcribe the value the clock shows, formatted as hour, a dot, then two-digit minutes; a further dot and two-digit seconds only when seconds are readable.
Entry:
6.15
